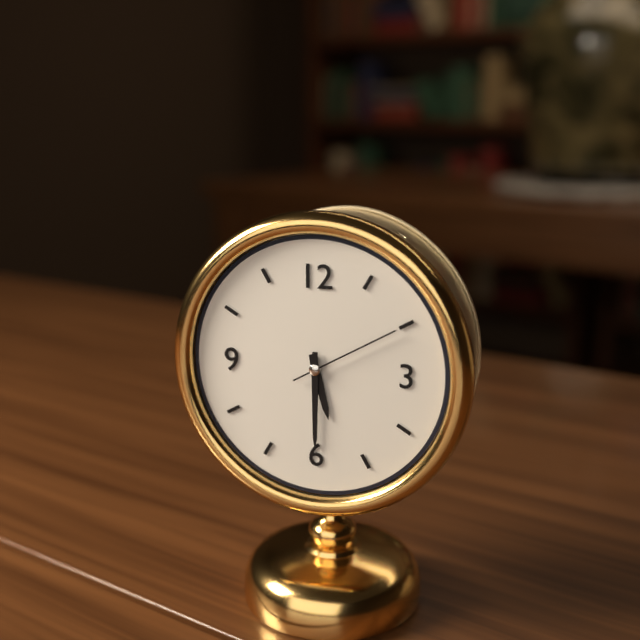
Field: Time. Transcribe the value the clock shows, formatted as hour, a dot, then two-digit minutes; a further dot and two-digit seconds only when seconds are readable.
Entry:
5.30.10
